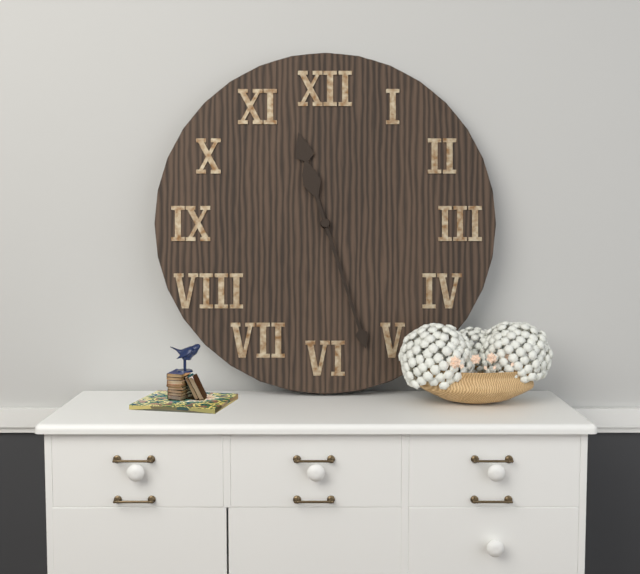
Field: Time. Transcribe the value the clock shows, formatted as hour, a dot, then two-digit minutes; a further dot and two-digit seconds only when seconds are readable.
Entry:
11.27
